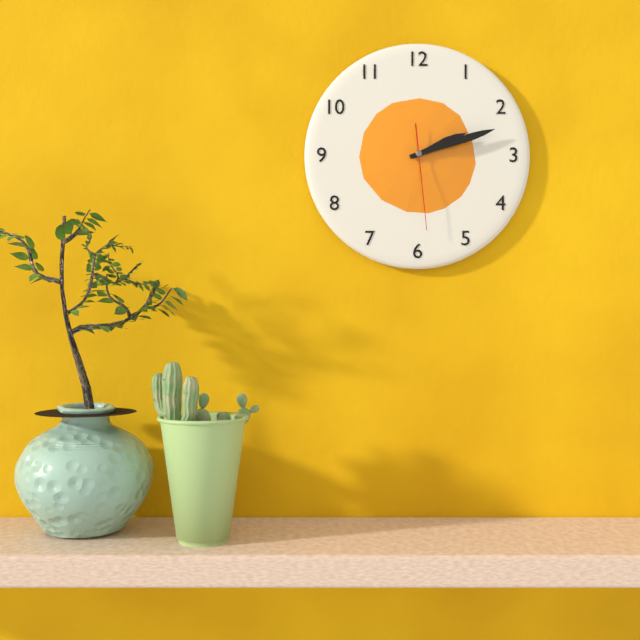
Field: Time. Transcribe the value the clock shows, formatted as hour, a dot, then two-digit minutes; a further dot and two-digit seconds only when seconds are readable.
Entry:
2.12.29
